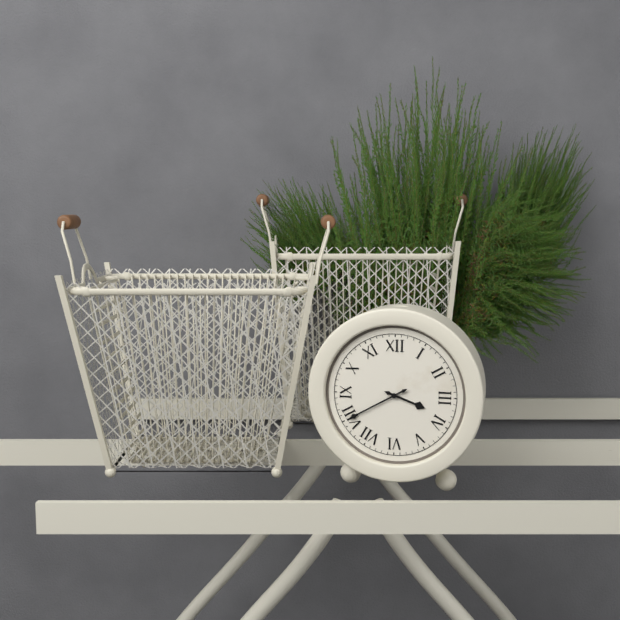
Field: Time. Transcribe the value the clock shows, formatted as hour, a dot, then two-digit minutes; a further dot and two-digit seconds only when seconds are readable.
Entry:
3.40
